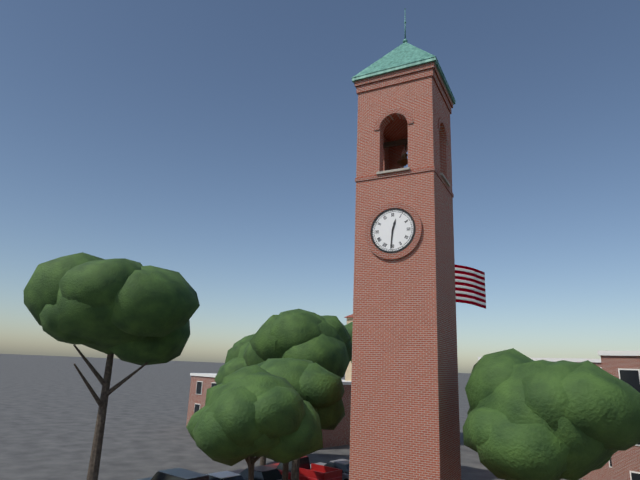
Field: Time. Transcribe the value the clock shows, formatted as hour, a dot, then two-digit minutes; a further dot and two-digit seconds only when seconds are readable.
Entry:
12.31
